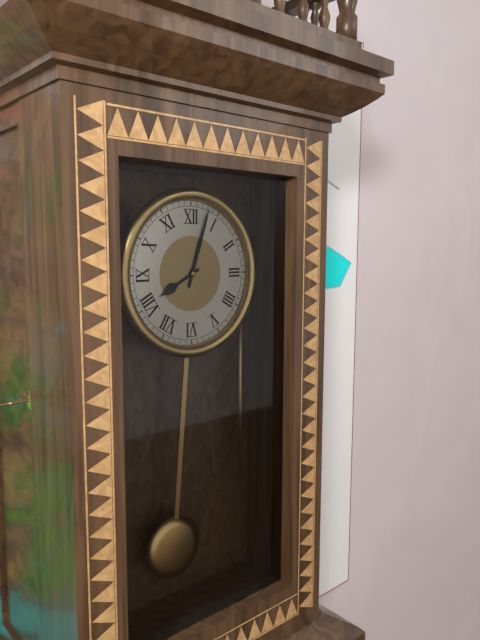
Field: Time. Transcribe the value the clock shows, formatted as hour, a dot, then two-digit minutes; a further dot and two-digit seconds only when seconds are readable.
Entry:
8.03
